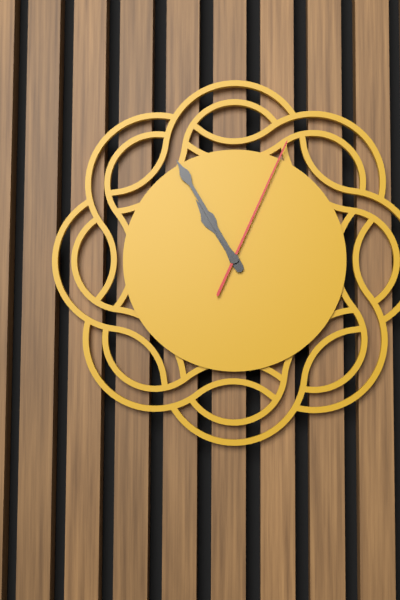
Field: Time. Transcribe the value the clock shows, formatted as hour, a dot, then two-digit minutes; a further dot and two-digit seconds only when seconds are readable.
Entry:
10.55.04
